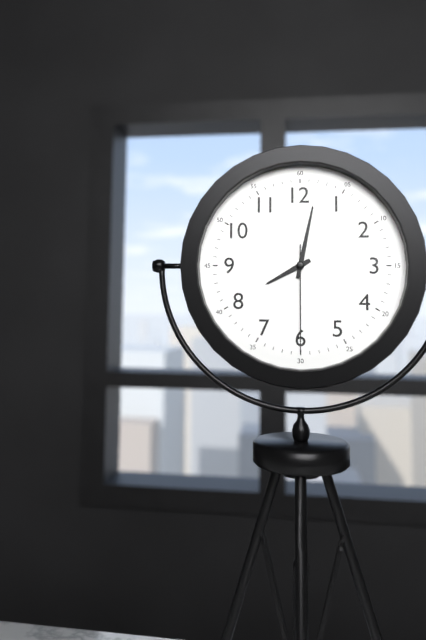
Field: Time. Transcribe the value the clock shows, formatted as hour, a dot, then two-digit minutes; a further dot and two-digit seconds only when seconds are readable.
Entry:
8.02.30
